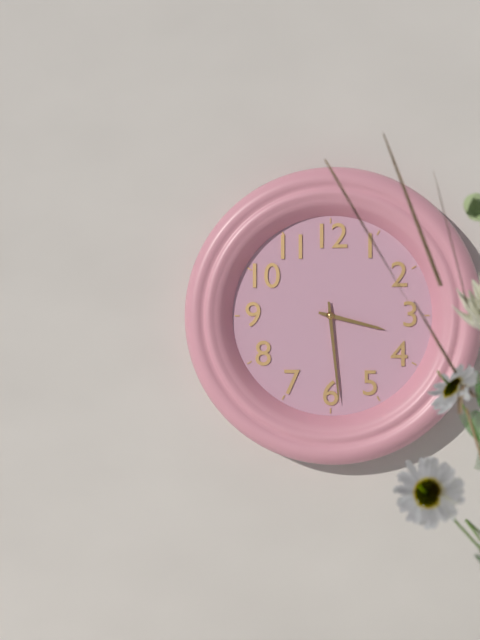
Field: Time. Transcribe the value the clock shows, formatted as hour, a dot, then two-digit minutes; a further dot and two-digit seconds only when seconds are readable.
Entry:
3.29
